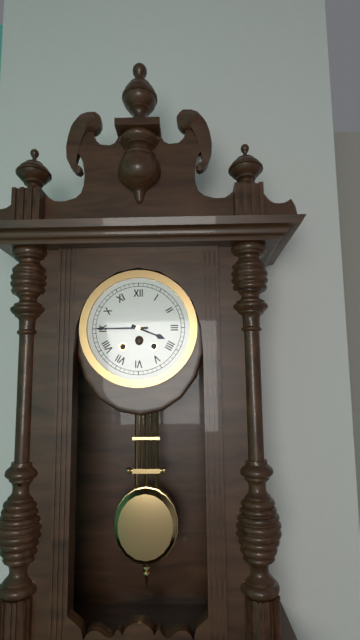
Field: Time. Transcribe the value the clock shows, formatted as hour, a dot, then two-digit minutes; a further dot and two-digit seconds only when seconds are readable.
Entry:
3.45
